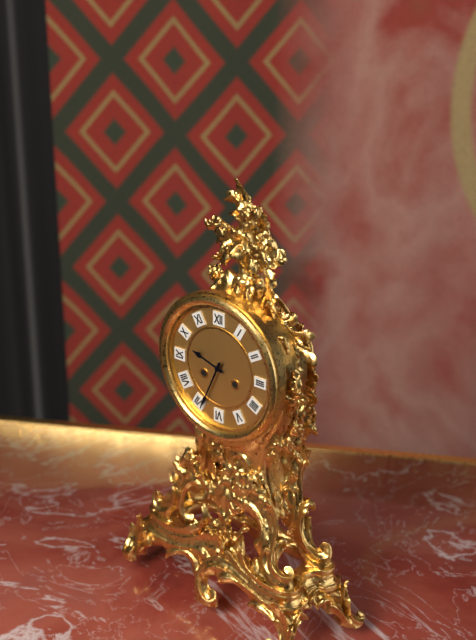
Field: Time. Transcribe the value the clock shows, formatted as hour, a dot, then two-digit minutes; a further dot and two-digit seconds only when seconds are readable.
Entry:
9.34
